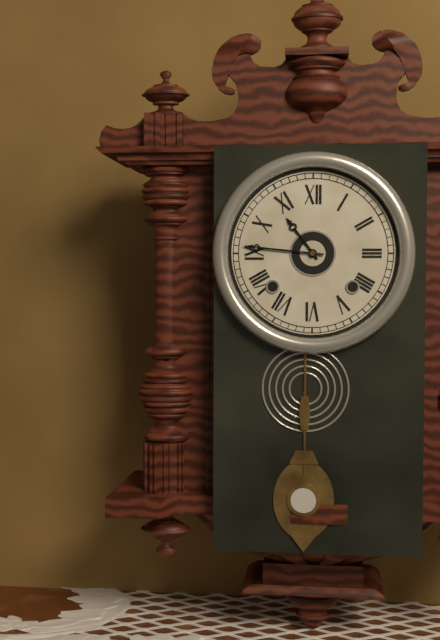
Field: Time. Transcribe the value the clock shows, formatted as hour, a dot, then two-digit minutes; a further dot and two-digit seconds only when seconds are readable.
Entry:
10.46
